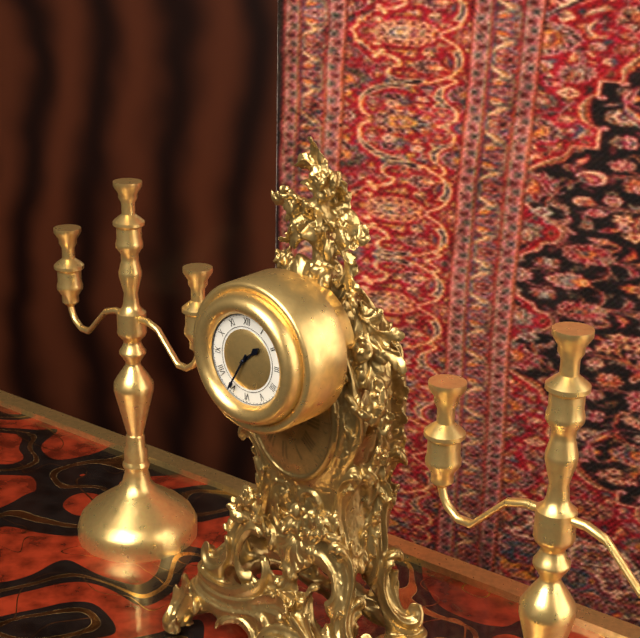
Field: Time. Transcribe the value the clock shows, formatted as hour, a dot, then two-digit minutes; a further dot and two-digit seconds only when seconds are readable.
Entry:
1.35
